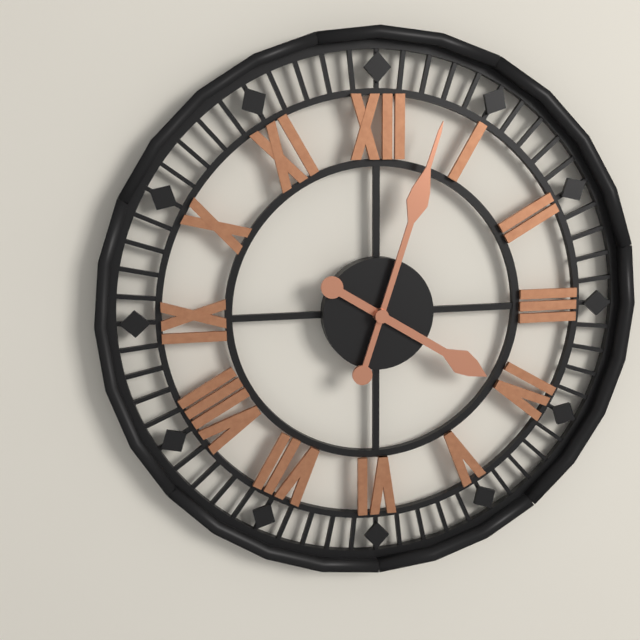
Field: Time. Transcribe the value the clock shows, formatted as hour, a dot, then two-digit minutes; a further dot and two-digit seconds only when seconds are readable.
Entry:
4.03
